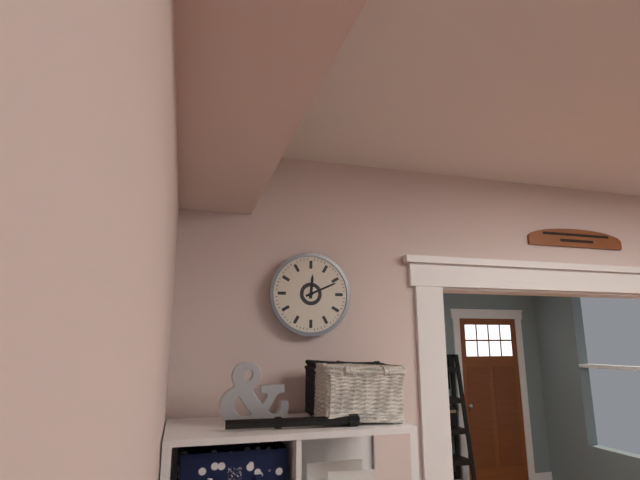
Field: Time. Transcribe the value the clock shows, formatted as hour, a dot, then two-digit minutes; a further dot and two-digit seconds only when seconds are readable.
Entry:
12.11
